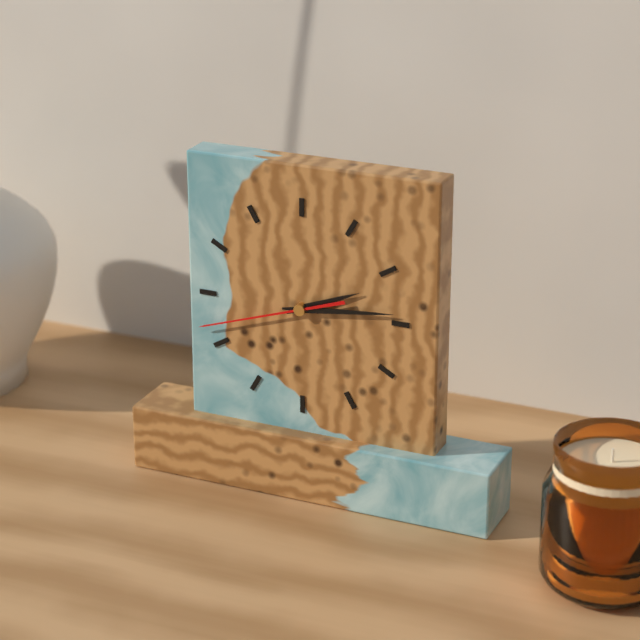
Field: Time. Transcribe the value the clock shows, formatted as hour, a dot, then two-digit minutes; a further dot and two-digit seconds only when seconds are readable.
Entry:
2.14.42
